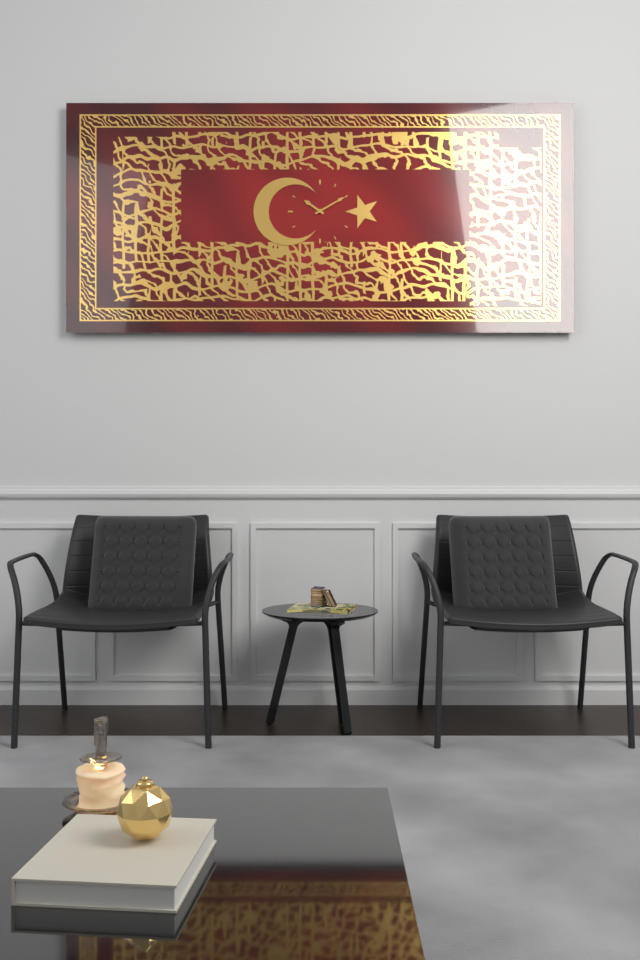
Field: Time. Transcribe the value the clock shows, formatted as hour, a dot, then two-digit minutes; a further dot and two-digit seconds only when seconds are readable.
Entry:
10.10
